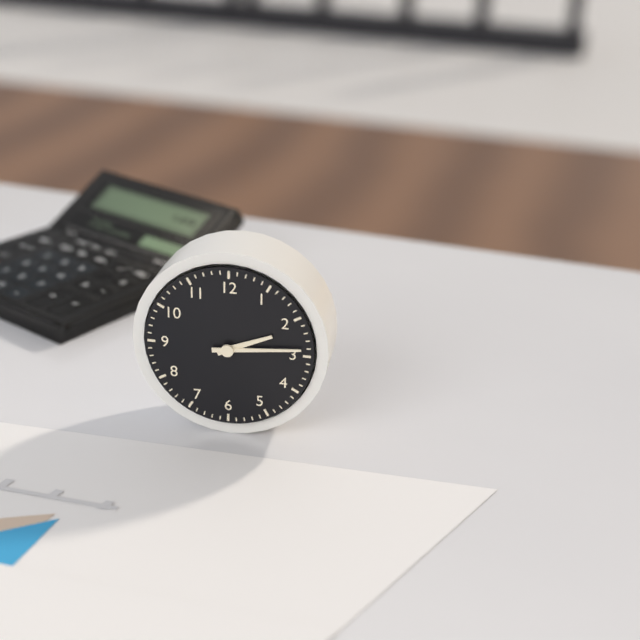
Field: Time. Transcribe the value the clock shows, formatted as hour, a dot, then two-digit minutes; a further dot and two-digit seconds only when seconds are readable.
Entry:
2.14
